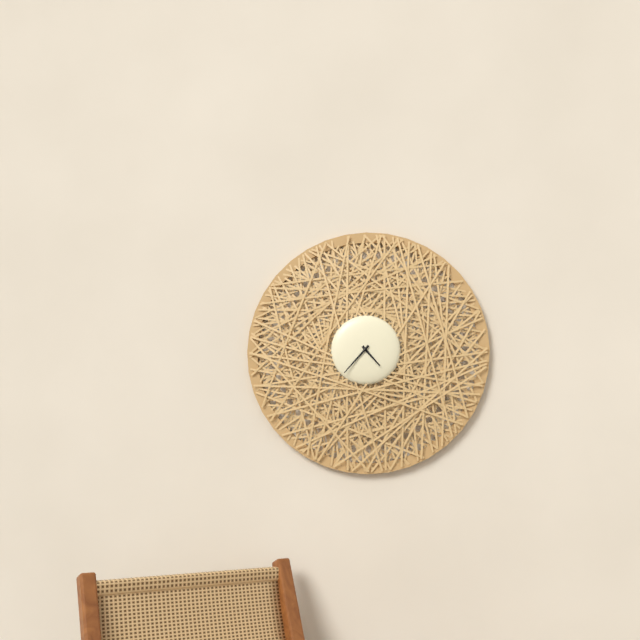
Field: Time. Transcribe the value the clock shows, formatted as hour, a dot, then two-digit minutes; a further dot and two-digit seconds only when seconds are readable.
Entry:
4.37
